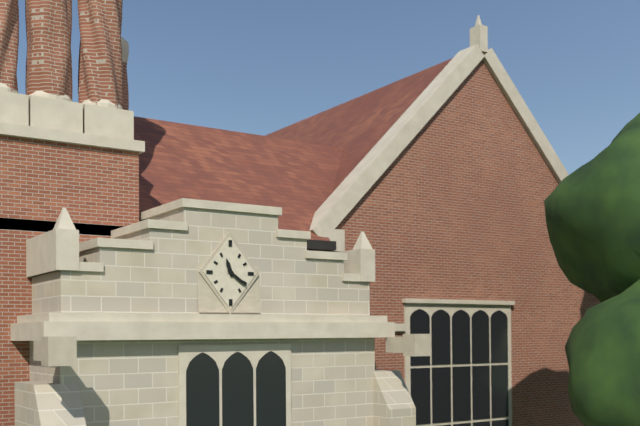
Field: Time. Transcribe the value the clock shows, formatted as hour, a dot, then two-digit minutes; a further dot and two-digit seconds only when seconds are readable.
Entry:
11.21
